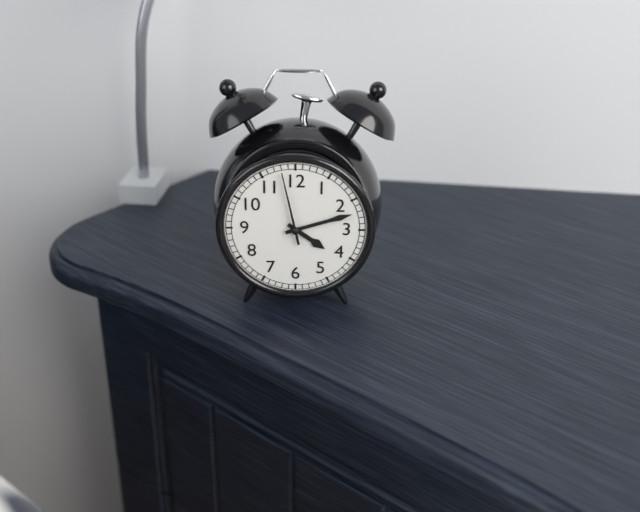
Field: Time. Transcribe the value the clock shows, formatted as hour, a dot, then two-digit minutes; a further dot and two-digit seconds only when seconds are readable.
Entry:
4.12.58
